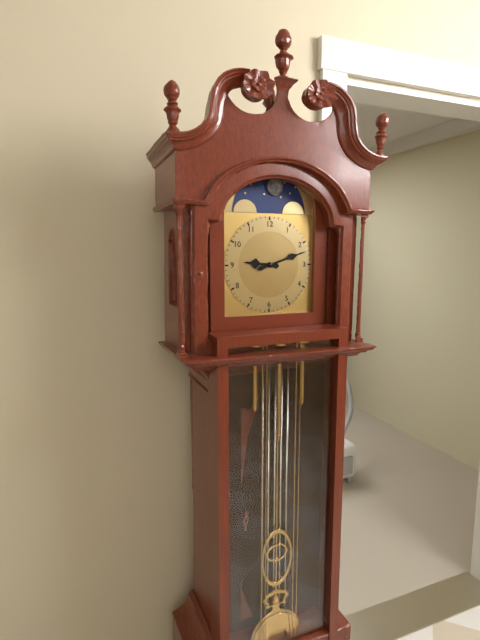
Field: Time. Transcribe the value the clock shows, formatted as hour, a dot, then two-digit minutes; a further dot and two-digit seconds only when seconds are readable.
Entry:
9.12
